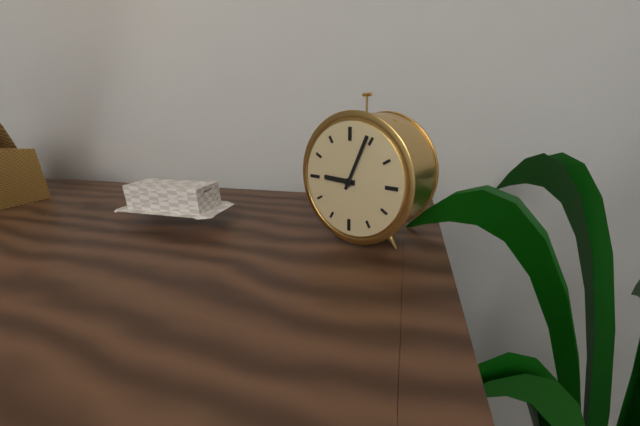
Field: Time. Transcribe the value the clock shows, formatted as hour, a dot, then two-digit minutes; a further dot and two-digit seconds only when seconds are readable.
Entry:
9.04
